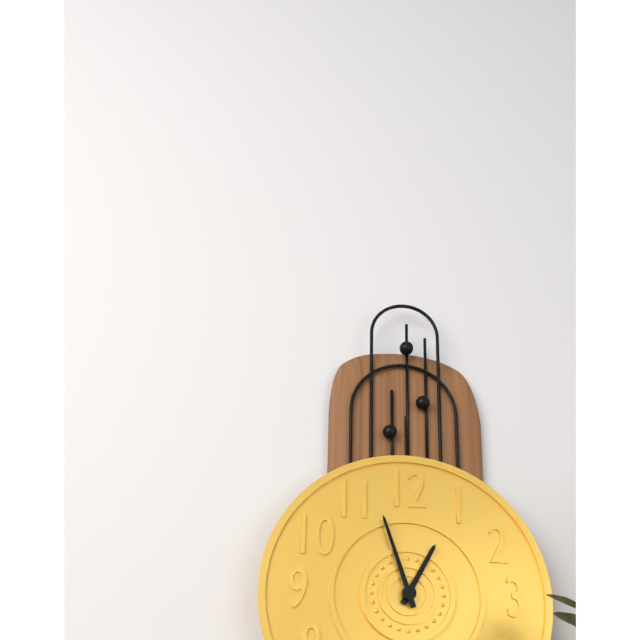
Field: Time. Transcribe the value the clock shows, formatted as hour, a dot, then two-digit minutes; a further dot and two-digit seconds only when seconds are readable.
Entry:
12.57
